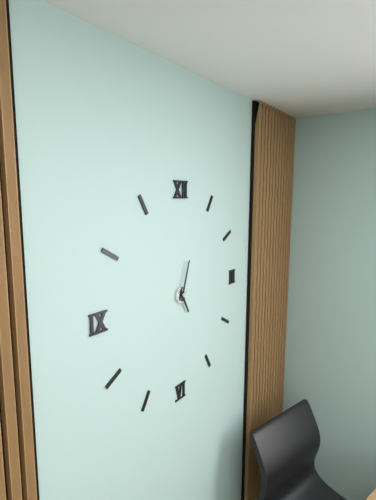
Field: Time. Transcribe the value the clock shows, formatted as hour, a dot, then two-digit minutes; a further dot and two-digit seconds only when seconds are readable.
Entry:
5.03
